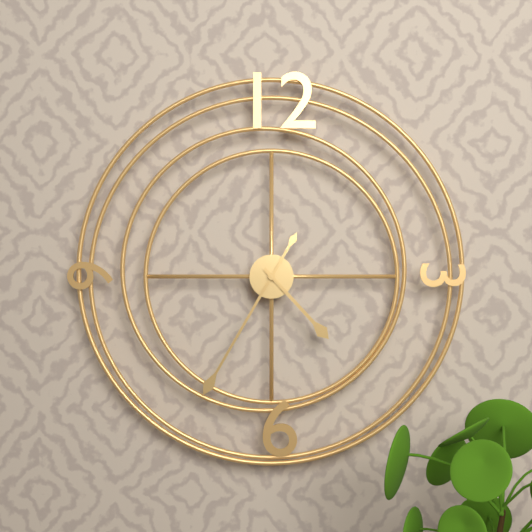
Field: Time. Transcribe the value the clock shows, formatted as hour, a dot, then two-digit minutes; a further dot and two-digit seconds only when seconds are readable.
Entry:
4.35
